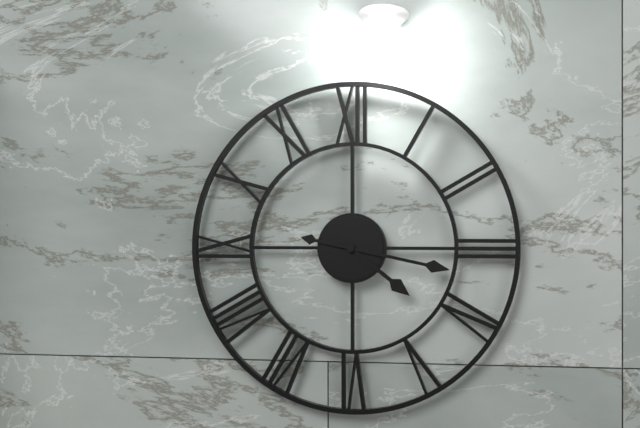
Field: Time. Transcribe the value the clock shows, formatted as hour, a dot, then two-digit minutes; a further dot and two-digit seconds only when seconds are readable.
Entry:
4.17
